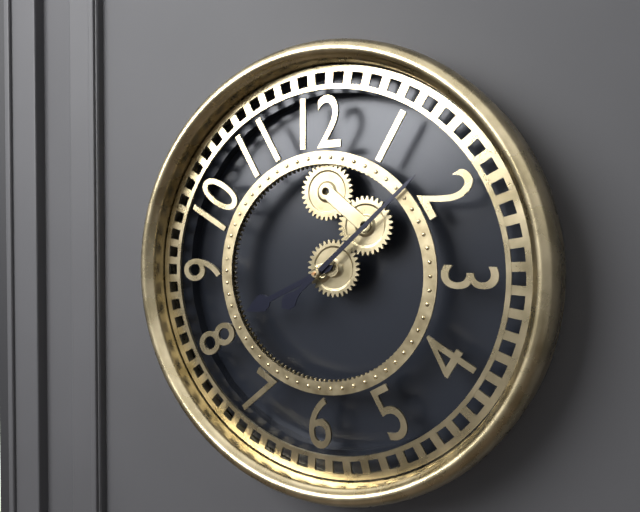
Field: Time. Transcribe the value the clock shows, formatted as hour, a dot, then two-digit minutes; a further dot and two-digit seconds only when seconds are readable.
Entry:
8.08
